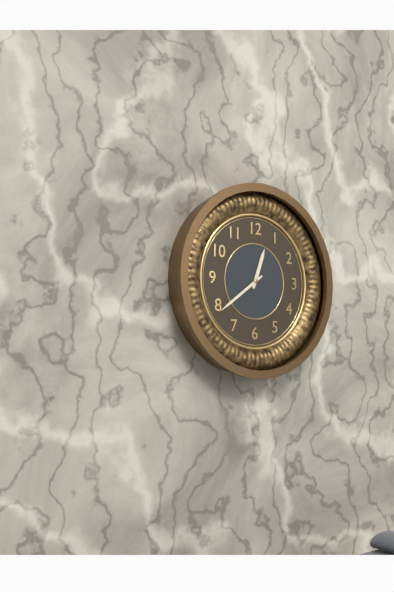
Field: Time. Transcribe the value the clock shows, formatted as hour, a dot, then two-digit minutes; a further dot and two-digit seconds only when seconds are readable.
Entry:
12.39
